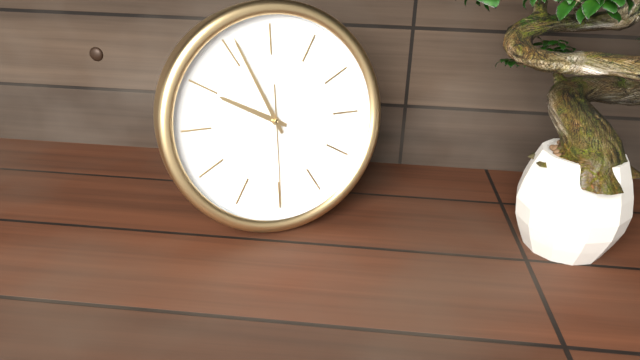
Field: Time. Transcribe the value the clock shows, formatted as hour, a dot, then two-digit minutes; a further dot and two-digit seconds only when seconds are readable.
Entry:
9.56.30
